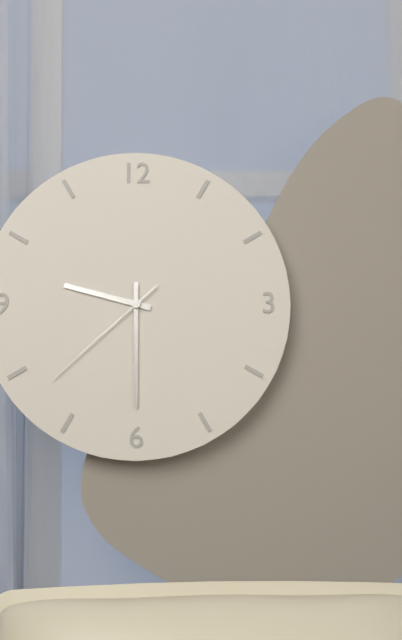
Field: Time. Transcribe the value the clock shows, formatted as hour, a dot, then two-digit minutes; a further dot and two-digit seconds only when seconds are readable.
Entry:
9.30.38
